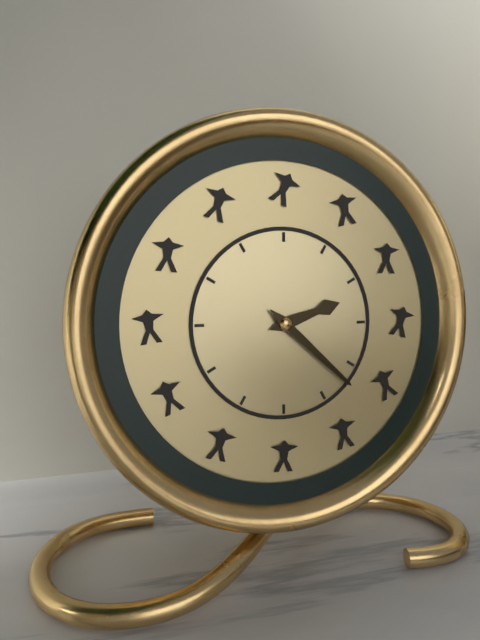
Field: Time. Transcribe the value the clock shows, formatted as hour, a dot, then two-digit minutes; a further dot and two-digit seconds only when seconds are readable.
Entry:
2.22
